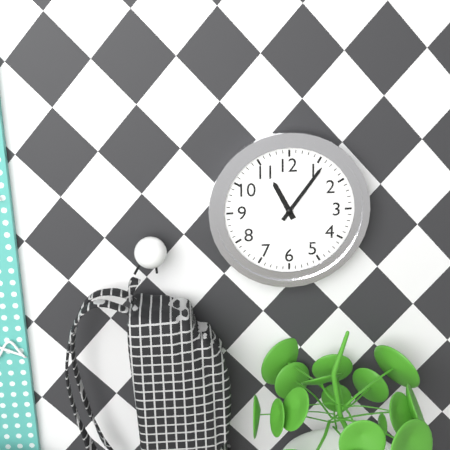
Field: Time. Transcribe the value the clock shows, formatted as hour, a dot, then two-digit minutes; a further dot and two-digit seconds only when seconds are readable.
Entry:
11.06
